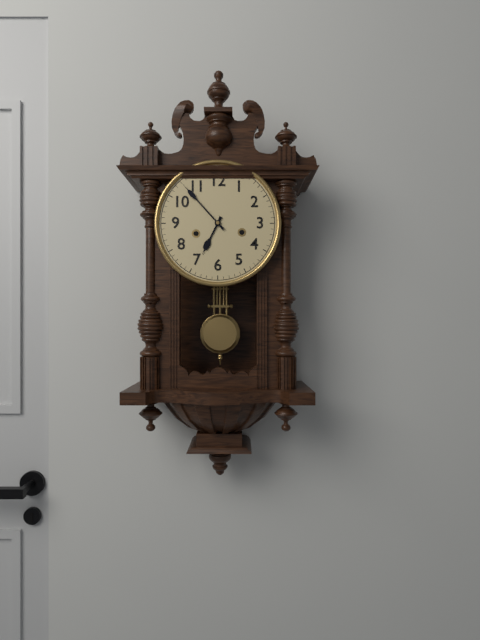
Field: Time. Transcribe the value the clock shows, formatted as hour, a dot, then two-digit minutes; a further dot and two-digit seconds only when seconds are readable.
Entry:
6.53
